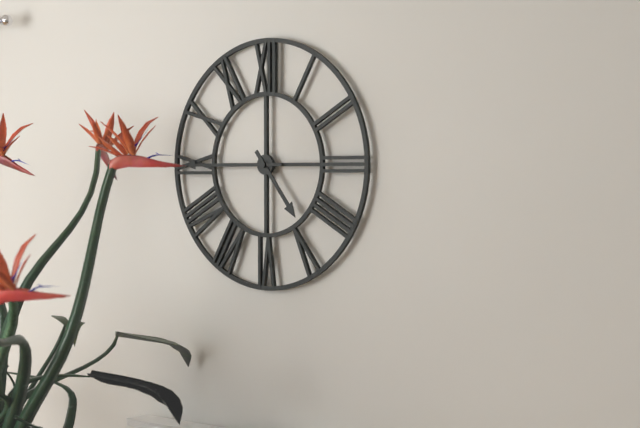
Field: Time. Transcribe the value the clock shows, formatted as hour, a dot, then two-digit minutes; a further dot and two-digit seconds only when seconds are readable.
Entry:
4.45
